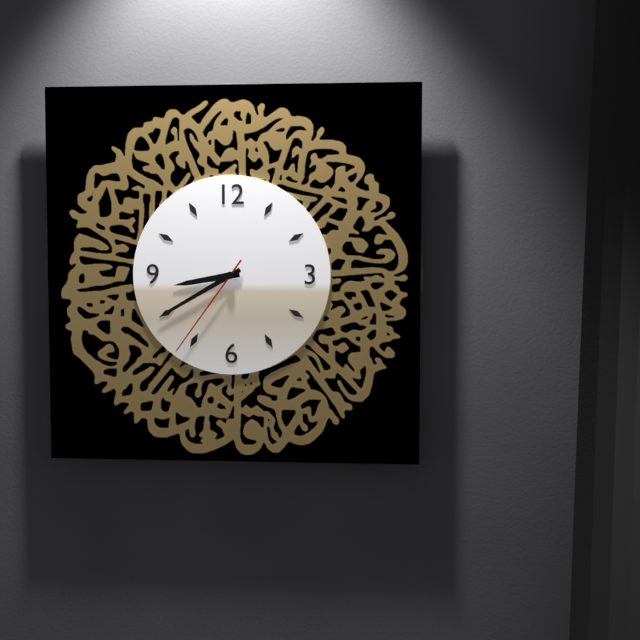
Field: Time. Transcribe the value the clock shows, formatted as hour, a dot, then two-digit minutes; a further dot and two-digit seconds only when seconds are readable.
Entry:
8.40.36
